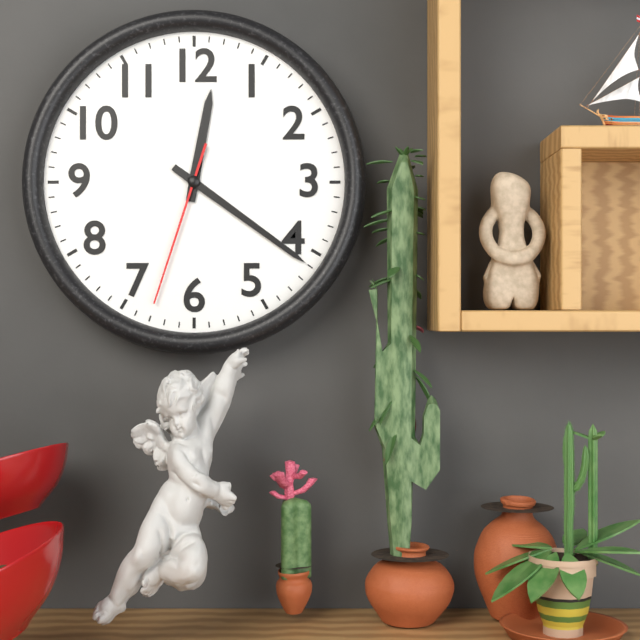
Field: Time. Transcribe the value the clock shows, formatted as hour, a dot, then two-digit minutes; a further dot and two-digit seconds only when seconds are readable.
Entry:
12.21.33
